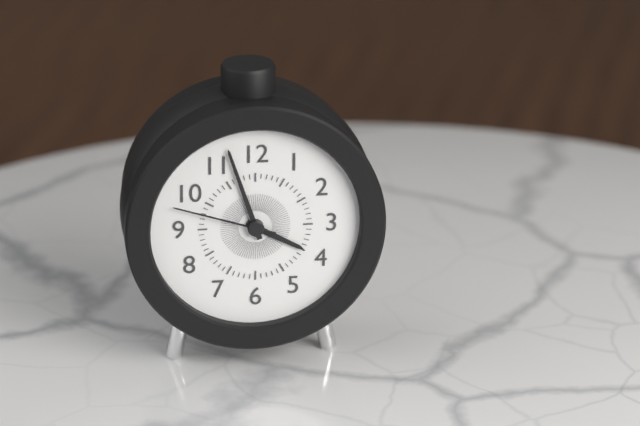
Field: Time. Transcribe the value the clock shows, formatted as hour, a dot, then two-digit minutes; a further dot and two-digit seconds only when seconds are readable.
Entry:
3.57.48
